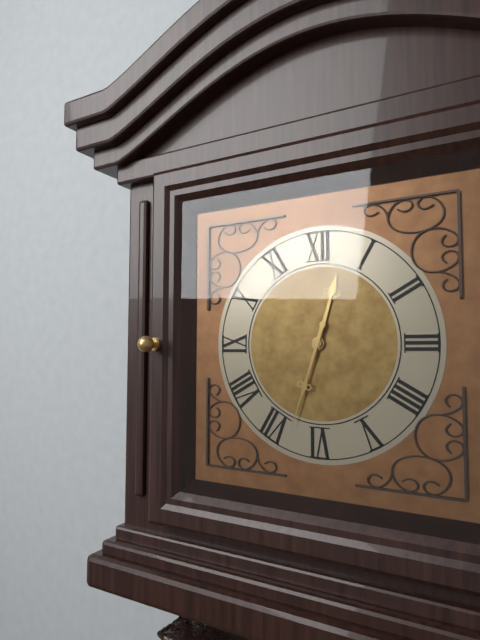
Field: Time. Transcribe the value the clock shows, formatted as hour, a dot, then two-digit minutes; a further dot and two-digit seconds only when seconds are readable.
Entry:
12.33
